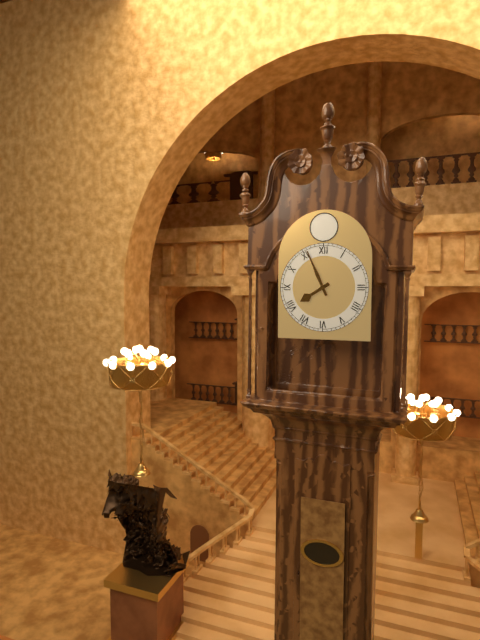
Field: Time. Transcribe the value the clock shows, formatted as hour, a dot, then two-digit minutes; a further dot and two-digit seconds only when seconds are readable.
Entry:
7.56
